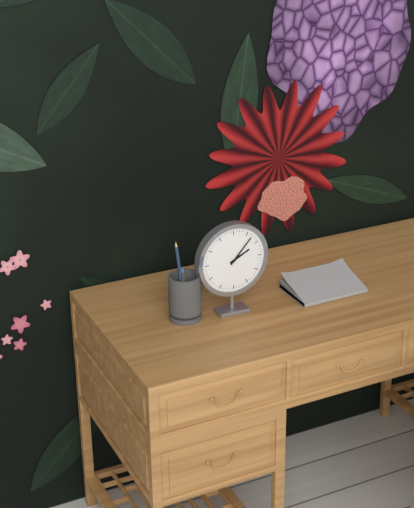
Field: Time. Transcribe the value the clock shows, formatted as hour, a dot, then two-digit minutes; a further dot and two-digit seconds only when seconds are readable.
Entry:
2.07
